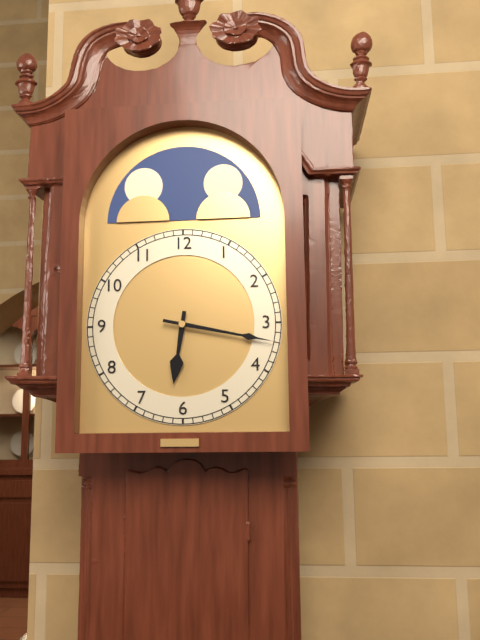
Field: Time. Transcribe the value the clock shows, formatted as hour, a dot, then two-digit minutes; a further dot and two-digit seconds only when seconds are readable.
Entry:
6.17
